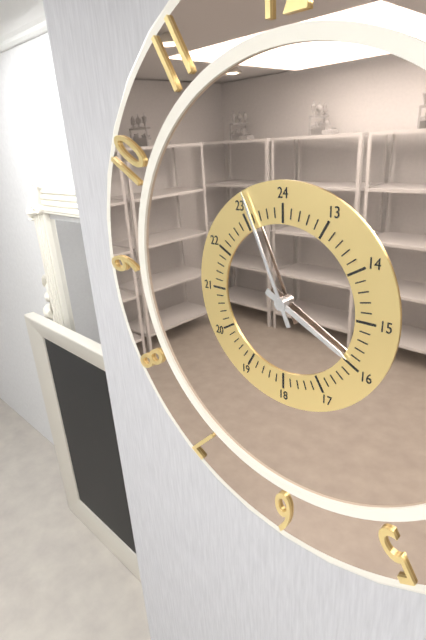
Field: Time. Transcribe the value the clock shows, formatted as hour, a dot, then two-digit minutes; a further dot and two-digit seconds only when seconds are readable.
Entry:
3.56
